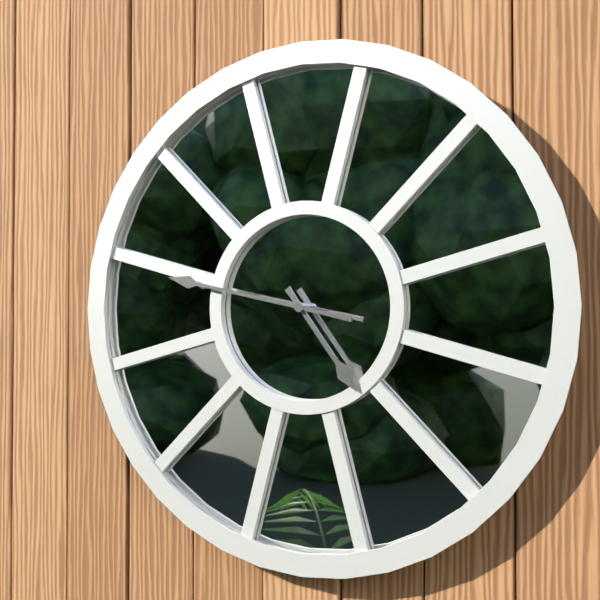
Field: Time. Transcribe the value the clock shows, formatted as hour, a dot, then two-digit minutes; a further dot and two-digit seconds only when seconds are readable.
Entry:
4.47
